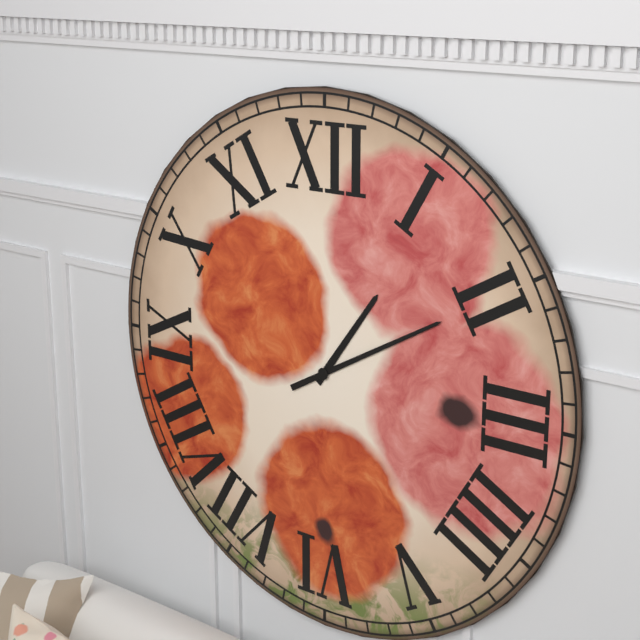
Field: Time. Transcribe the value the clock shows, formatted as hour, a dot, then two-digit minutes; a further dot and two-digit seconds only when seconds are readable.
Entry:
1.10
